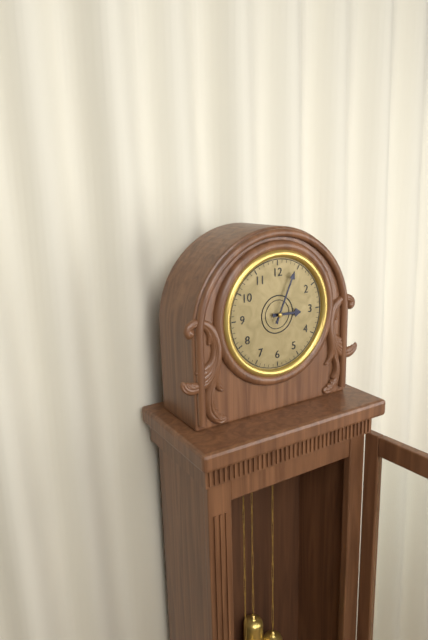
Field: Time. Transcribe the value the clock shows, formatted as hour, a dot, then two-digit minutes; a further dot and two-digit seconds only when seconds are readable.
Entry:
3.04
